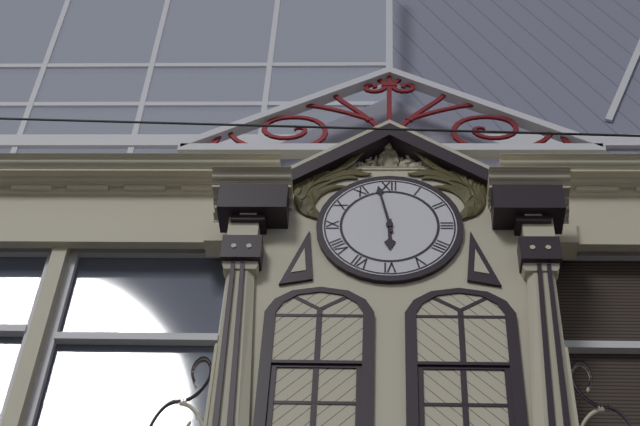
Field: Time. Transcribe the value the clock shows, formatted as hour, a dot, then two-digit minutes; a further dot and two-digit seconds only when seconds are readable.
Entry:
5.58
